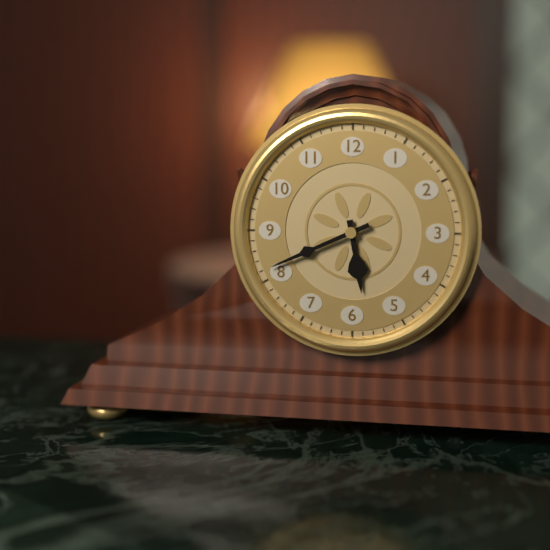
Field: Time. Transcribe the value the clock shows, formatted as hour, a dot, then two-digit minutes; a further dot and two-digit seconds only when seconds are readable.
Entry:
5.41
